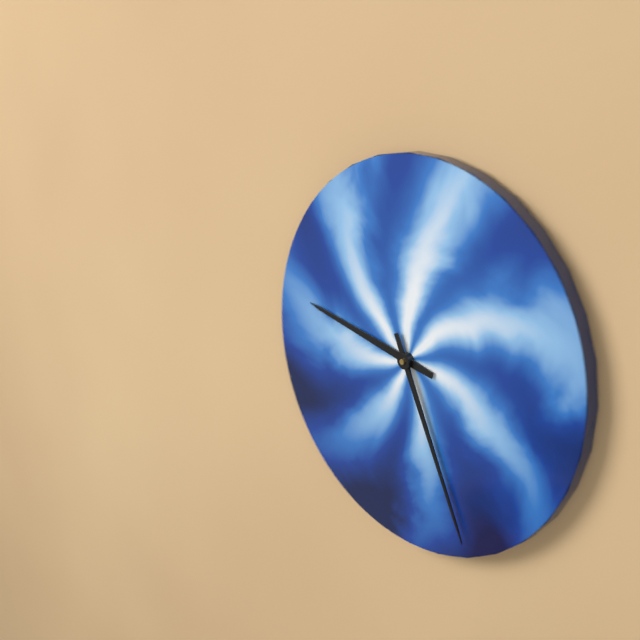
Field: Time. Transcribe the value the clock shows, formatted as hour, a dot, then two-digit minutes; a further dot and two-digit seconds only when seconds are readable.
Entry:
9.26
